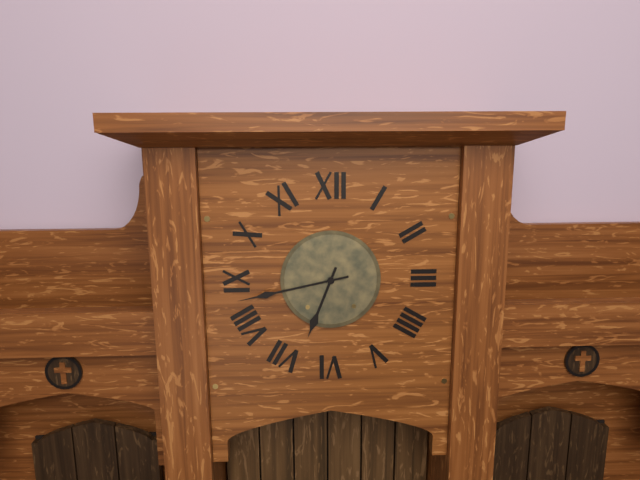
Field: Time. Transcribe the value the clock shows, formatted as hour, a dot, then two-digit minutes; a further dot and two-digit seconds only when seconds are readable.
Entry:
6.43
